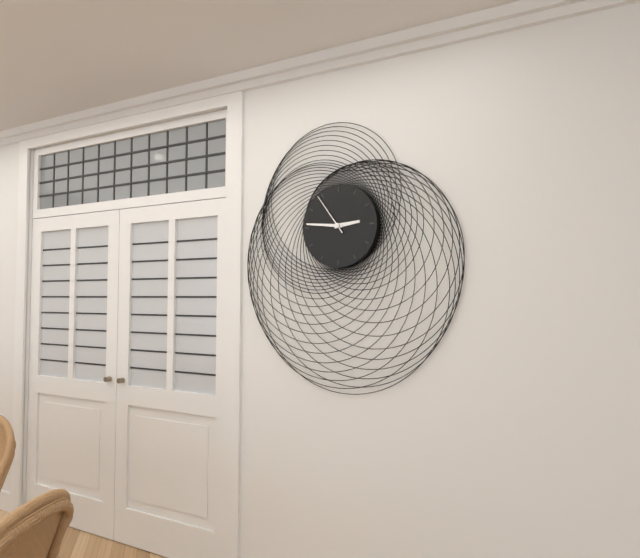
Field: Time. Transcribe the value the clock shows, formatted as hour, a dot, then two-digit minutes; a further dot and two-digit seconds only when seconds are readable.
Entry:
2.46
